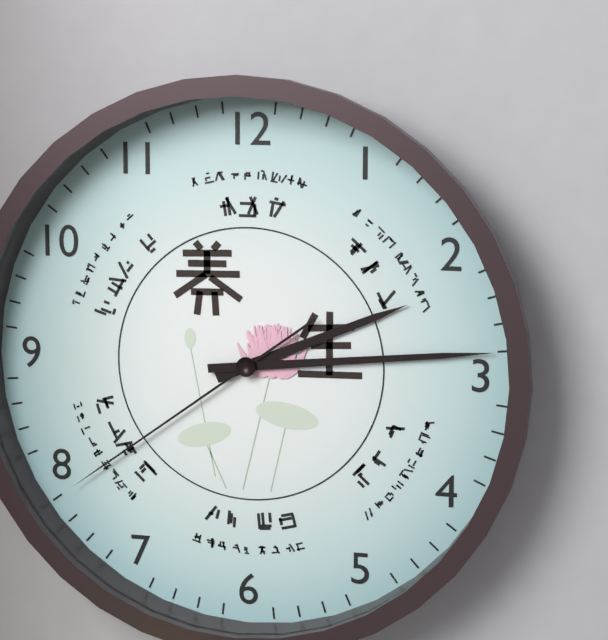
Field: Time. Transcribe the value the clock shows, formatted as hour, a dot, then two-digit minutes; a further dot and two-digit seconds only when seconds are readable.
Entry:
2.14.39
